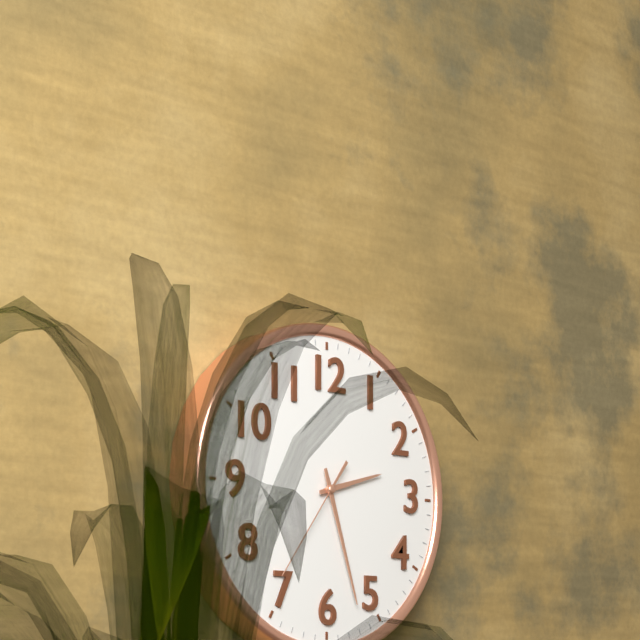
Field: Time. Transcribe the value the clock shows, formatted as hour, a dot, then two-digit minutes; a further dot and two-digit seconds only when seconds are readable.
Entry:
2.27.36
